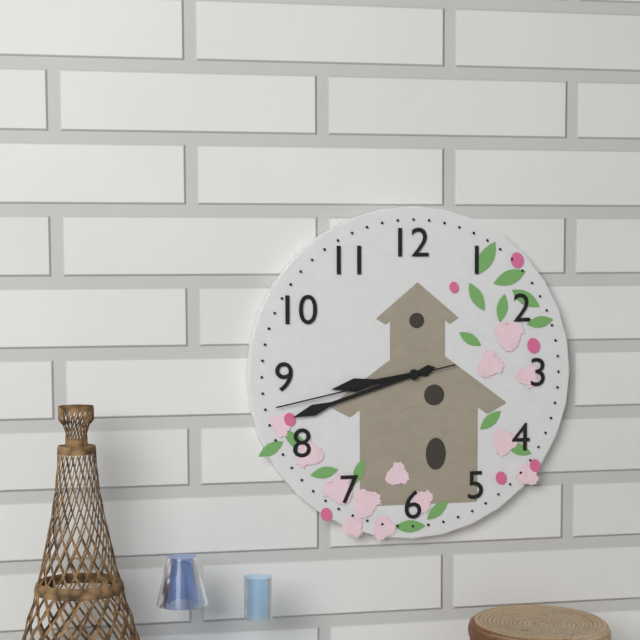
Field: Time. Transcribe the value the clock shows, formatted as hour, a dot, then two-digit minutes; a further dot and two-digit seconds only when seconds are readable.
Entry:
8.42.43
